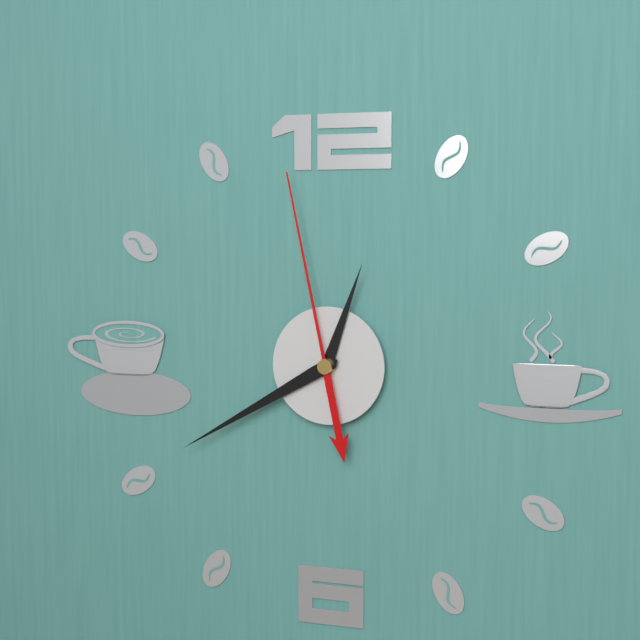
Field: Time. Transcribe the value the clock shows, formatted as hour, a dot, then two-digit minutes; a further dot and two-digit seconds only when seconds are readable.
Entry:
12.40.58
